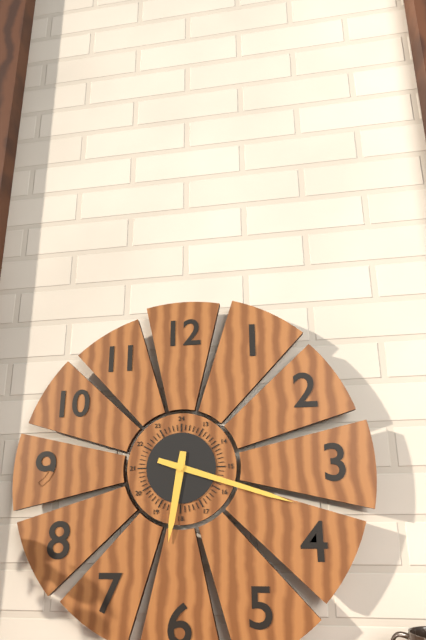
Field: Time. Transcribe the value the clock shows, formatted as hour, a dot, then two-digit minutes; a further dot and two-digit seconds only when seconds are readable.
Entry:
6.18
